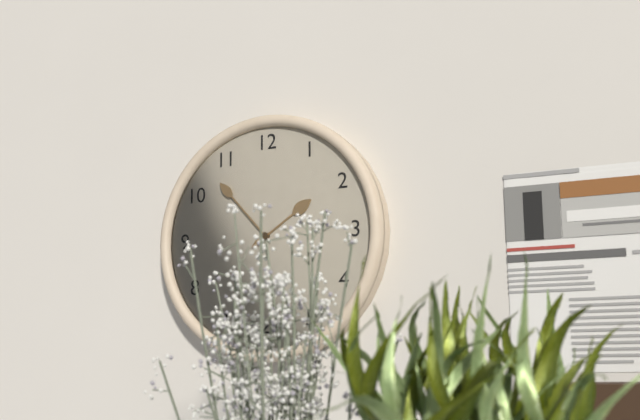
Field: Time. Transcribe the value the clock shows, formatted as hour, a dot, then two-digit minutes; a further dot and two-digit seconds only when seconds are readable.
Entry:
1.53
